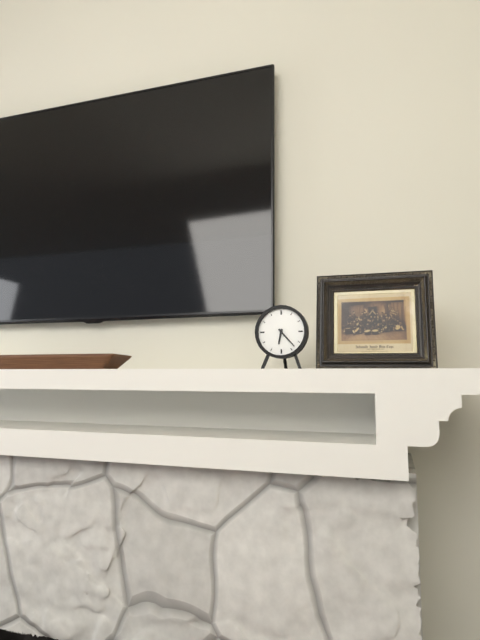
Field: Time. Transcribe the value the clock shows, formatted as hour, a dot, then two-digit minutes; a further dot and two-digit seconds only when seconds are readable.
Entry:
6.23
